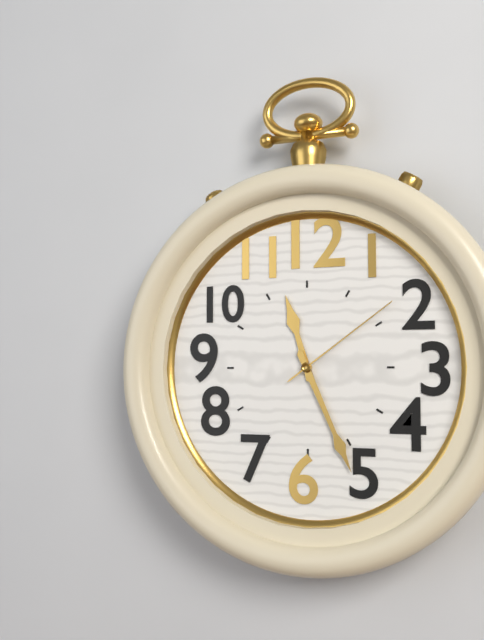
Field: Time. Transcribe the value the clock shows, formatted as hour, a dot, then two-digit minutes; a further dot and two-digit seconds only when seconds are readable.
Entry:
11.26.09
